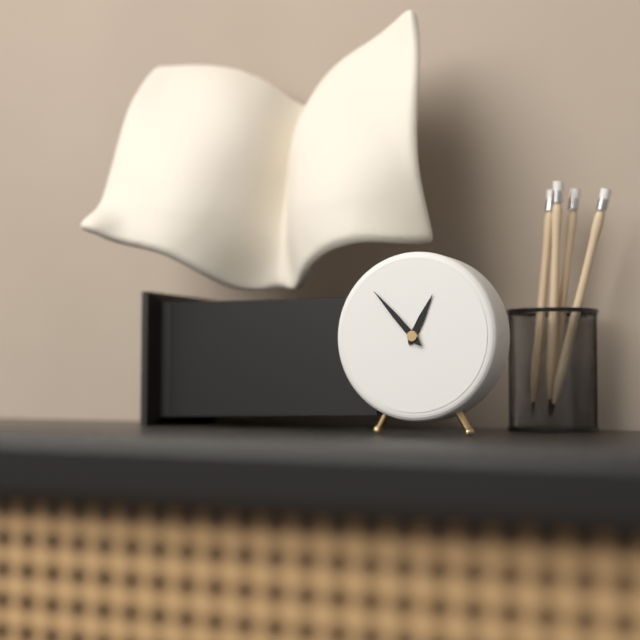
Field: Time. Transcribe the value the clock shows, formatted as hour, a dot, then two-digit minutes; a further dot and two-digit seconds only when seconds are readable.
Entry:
12.53
